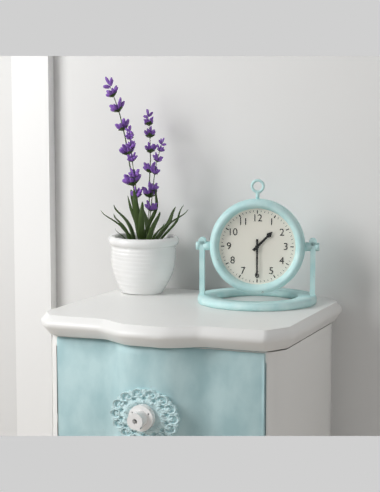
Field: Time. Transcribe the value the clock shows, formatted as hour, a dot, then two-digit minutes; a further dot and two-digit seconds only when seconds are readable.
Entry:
1.30
